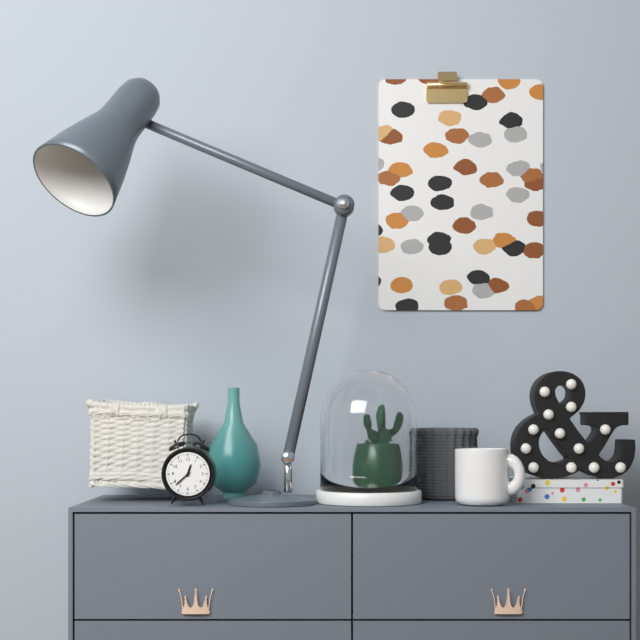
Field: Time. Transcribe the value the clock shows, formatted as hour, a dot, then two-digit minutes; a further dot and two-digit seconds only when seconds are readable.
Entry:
12.38
